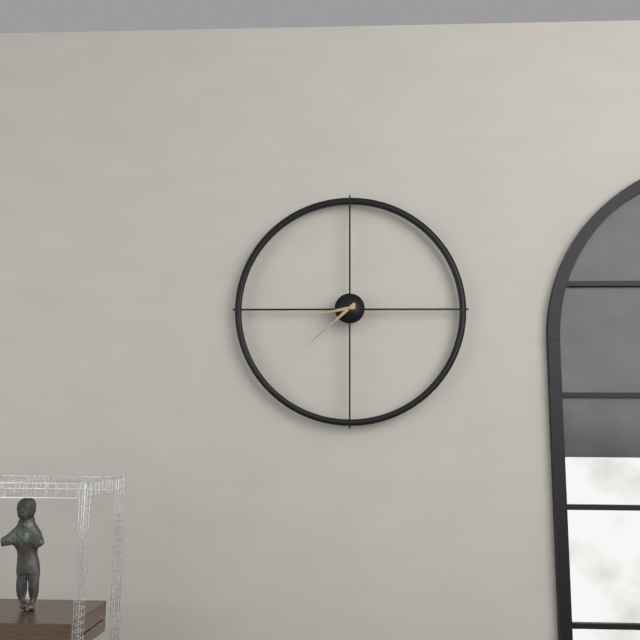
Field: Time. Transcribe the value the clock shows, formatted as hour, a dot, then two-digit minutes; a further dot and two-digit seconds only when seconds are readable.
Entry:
8.38
